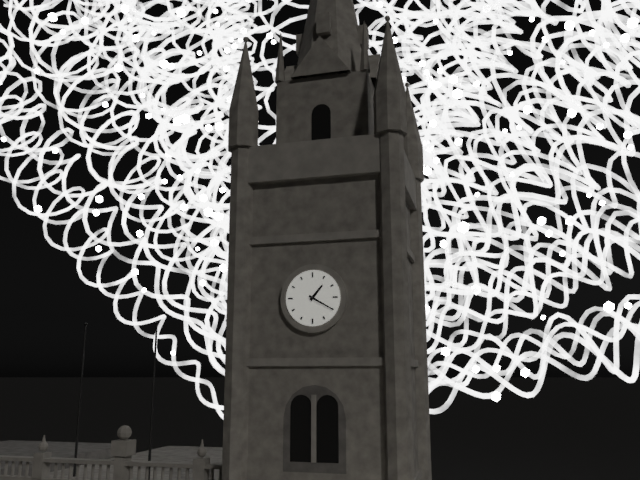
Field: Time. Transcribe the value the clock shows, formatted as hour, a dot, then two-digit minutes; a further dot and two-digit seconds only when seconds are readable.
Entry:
1.20
